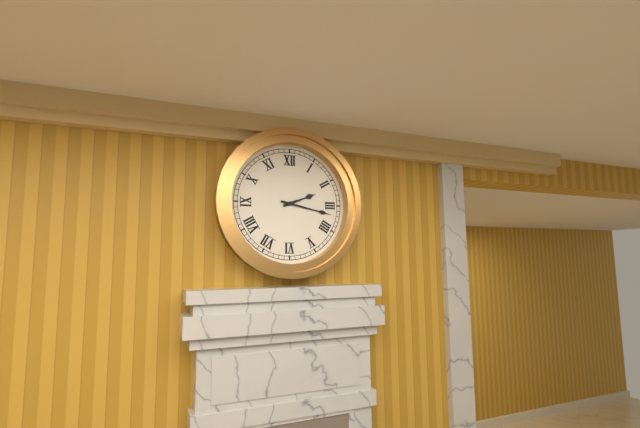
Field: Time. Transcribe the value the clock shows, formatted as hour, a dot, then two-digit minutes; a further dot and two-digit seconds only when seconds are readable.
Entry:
2.17
